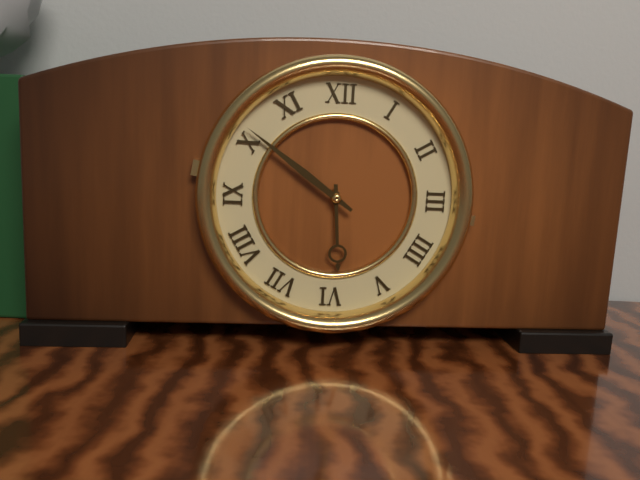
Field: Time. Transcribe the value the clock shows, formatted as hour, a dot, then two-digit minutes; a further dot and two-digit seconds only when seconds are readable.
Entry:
5.51
